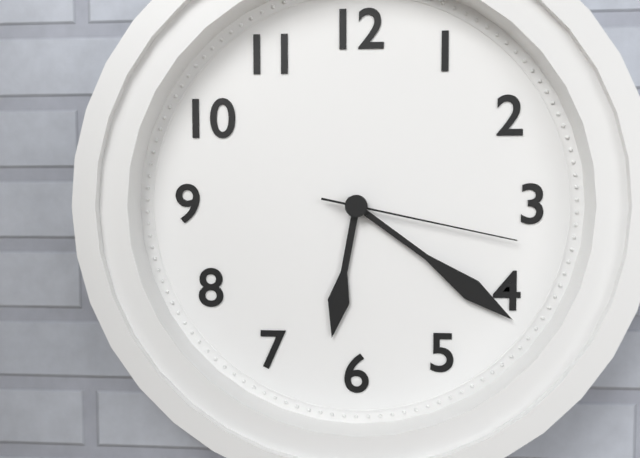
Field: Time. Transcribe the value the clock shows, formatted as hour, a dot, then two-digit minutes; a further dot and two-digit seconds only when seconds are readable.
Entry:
6.21.17
